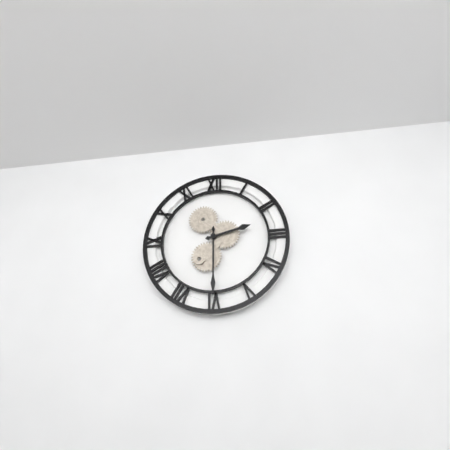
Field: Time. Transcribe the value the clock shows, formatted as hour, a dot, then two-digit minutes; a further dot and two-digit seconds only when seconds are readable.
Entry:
2.30
